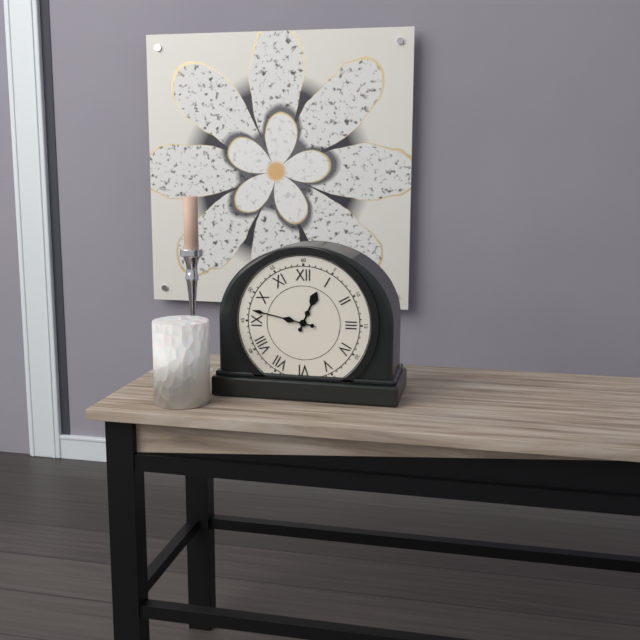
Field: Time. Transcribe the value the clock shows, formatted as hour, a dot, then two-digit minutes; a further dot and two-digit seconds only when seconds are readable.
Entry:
12.47
